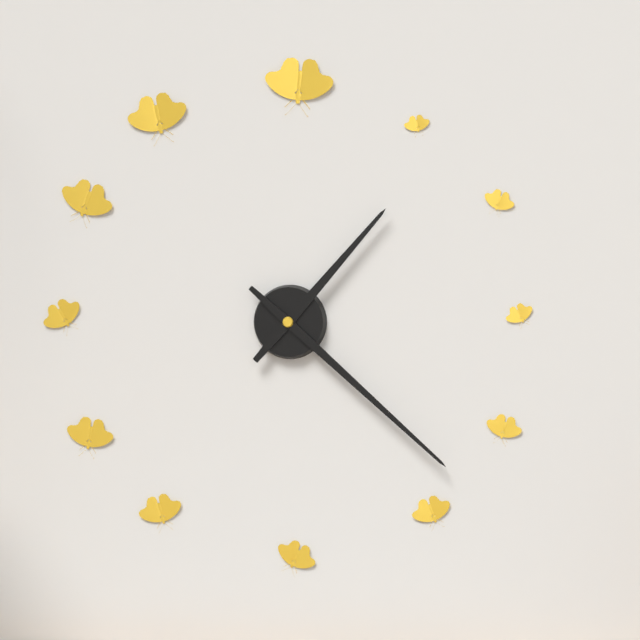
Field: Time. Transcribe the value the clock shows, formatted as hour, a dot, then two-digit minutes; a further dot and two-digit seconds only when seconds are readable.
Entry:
1.22
